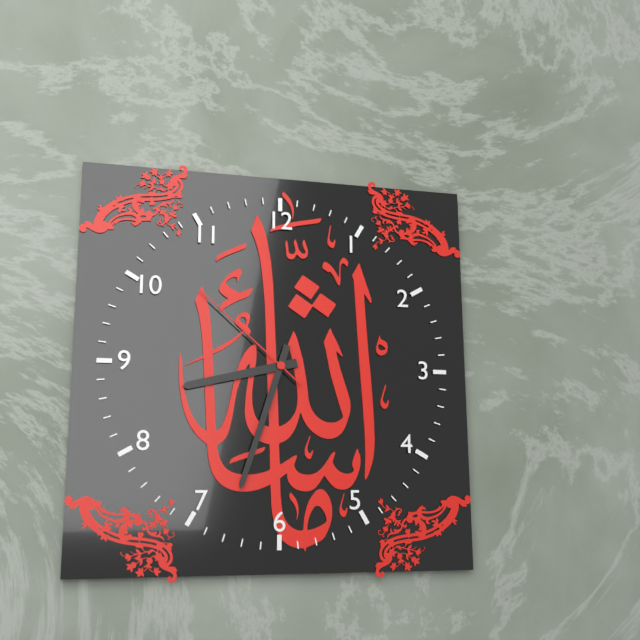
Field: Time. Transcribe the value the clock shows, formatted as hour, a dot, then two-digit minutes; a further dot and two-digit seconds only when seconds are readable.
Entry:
8.33.52
